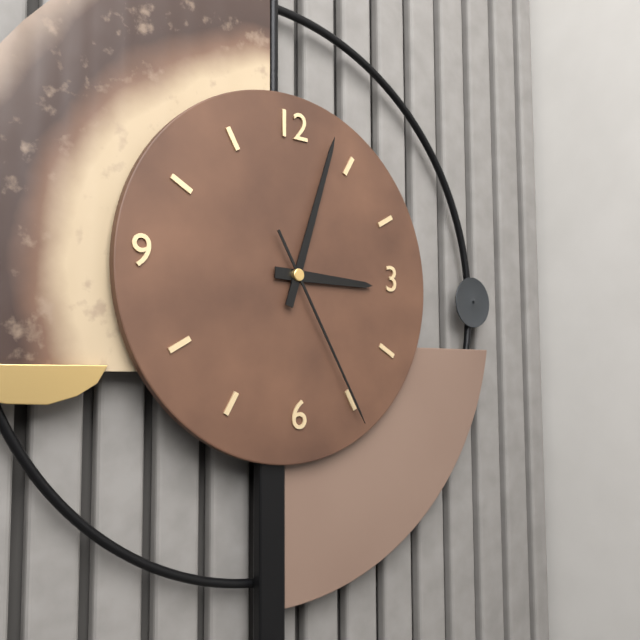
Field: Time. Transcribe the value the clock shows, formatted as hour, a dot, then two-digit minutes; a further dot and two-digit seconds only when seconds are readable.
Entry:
3.03.25
